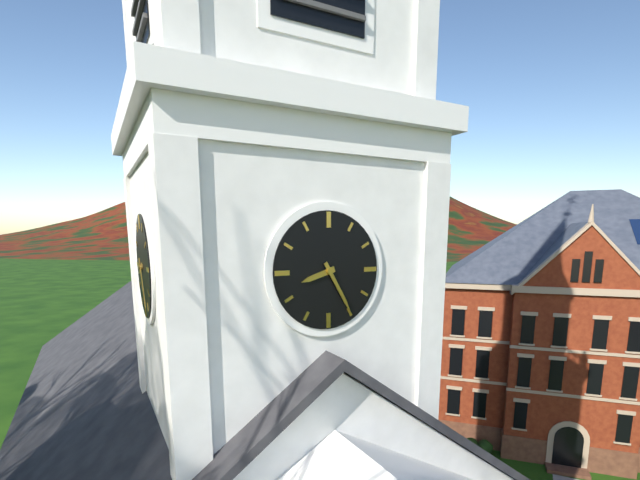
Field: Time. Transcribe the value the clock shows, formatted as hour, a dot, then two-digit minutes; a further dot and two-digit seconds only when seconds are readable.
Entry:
8.25
